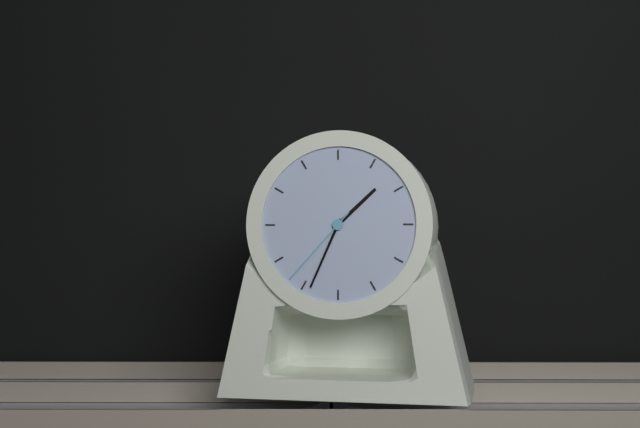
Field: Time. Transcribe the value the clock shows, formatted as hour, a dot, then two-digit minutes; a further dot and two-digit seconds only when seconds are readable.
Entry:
1.34.37
